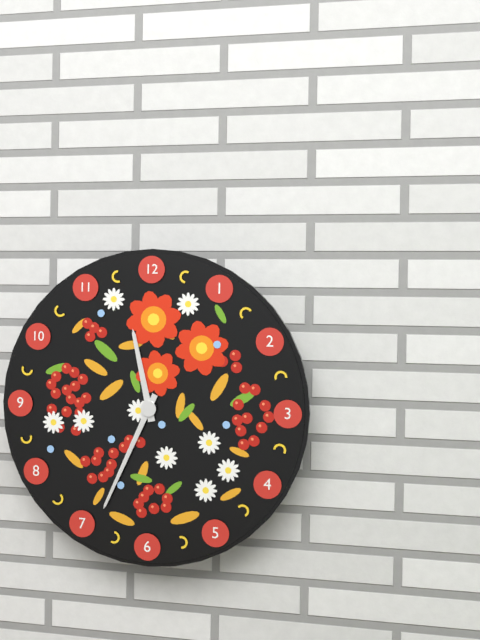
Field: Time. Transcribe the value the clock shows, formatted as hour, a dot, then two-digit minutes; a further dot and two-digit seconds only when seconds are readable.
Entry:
11.34
